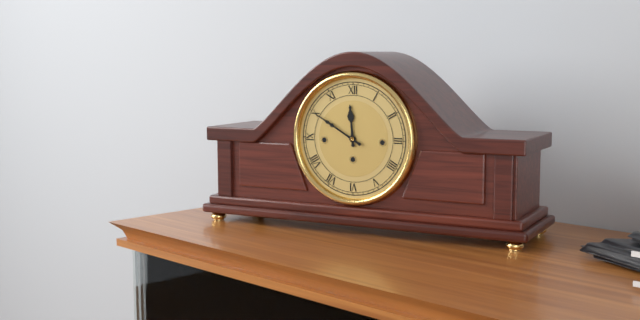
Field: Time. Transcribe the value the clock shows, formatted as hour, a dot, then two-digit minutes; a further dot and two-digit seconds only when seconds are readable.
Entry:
11.50
